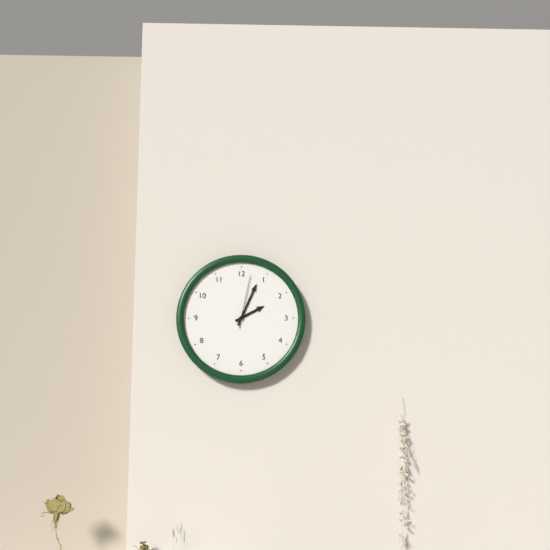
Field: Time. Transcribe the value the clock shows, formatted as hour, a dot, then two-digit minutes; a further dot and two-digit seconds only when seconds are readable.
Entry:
2.04.02
